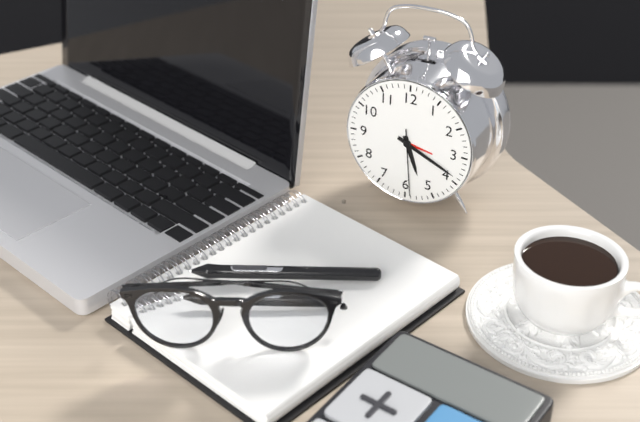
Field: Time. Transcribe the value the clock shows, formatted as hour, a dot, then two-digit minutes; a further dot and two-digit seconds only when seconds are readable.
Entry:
5.19.29
